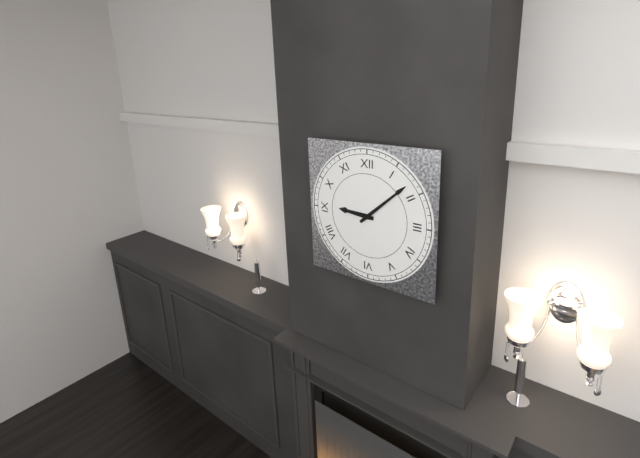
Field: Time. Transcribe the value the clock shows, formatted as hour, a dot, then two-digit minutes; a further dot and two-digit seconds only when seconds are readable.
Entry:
9.08
